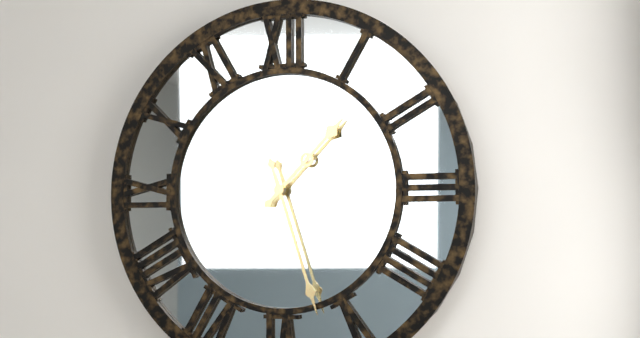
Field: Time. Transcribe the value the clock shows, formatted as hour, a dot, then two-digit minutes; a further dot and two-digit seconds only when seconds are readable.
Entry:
1.27
